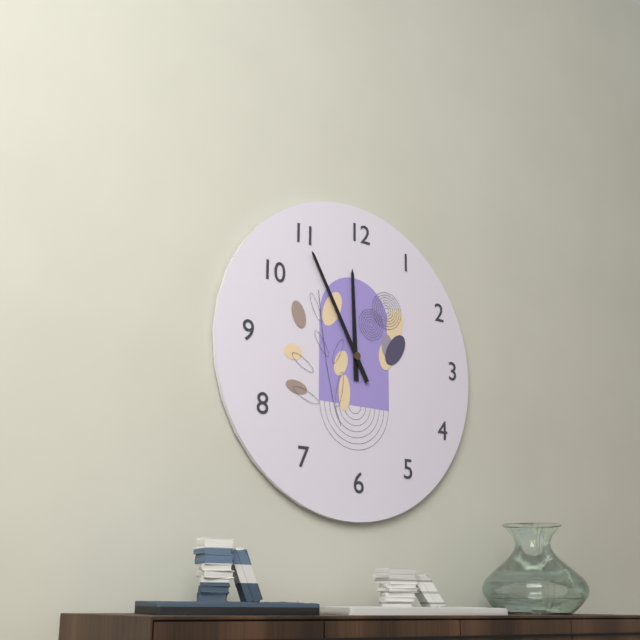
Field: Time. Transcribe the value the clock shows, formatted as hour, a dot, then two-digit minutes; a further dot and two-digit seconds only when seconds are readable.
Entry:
11.55
